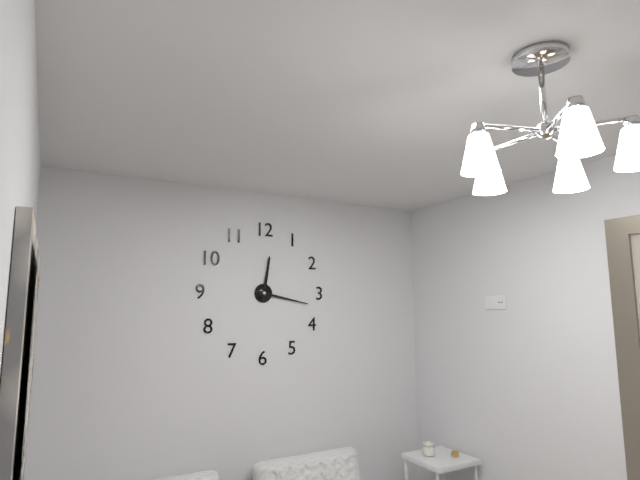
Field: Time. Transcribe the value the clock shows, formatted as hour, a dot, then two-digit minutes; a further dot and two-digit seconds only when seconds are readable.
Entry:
12.17
